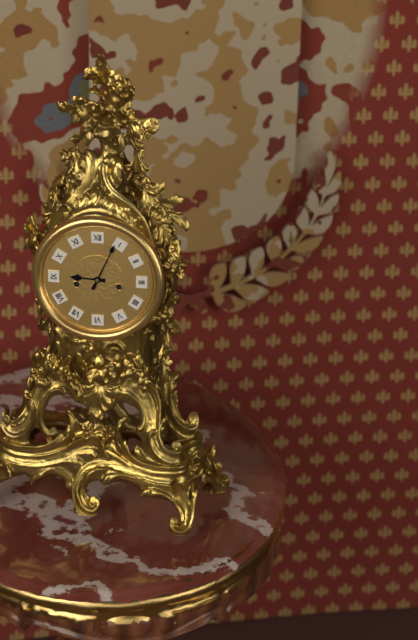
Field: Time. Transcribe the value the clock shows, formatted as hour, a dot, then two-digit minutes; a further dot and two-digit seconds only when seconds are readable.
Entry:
9.04
